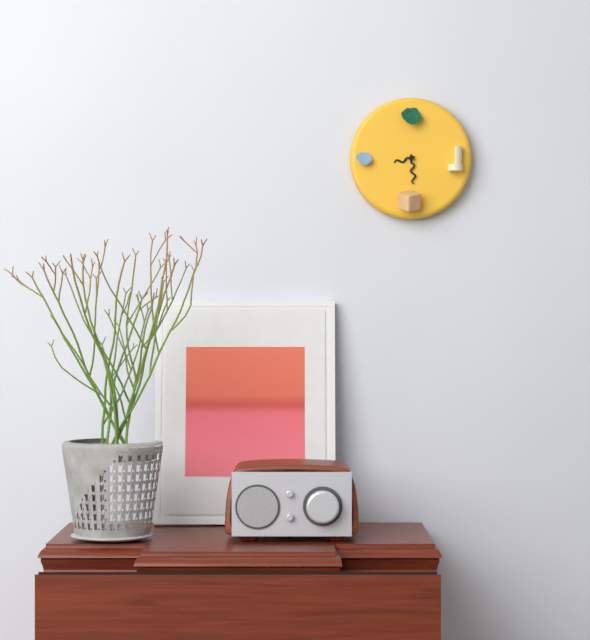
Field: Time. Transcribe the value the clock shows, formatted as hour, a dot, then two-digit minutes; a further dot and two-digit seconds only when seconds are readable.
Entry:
8.29
